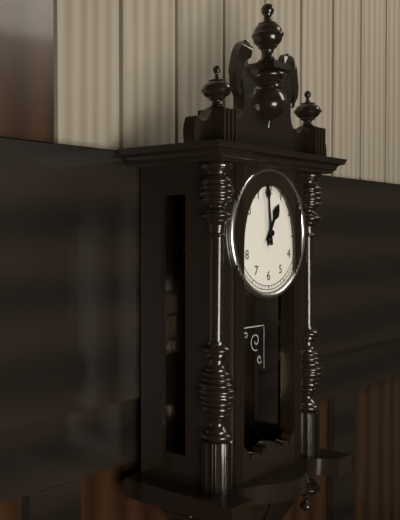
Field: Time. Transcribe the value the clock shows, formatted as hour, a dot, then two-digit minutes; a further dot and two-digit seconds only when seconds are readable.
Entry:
12.59
